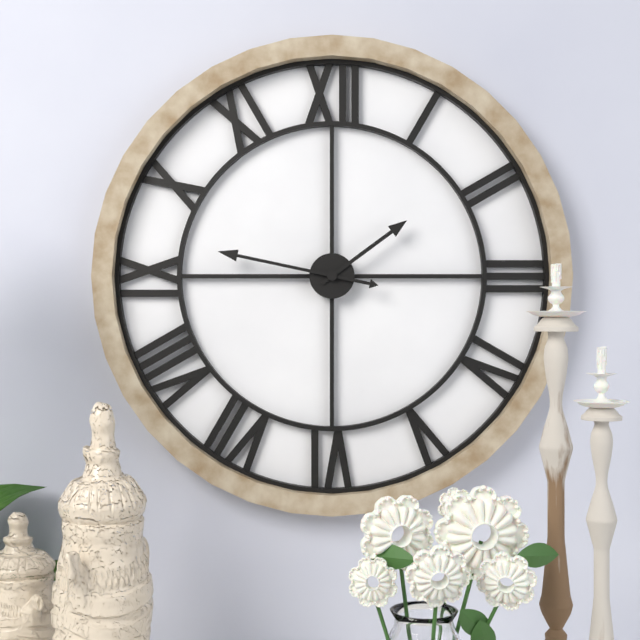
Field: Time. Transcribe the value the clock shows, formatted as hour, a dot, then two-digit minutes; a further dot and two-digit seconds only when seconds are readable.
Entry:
1.47
